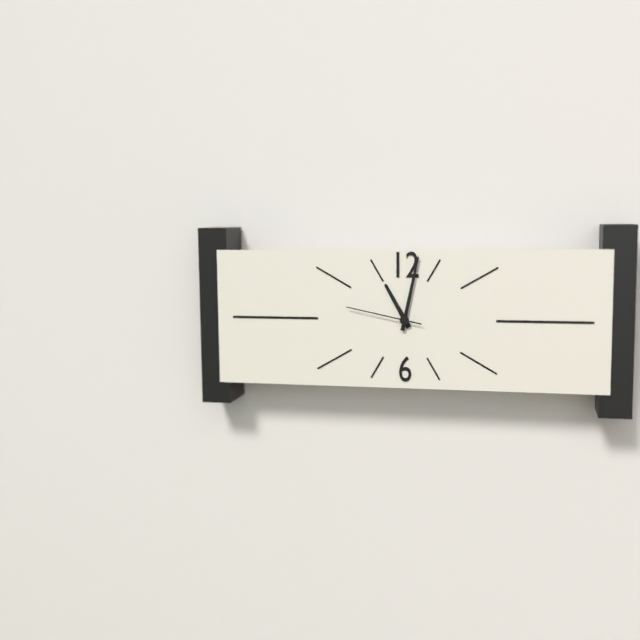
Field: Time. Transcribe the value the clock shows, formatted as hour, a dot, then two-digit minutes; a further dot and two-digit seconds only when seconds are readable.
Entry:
11.02.47
